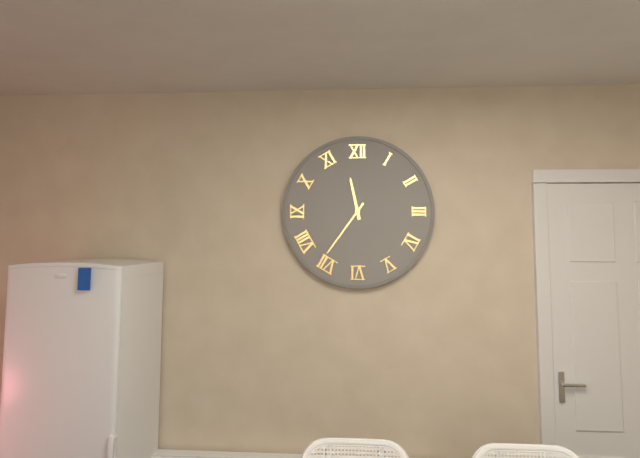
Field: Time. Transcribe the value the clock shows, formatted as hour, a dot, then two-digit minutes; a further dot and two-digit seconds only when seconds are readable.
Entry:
11.36
